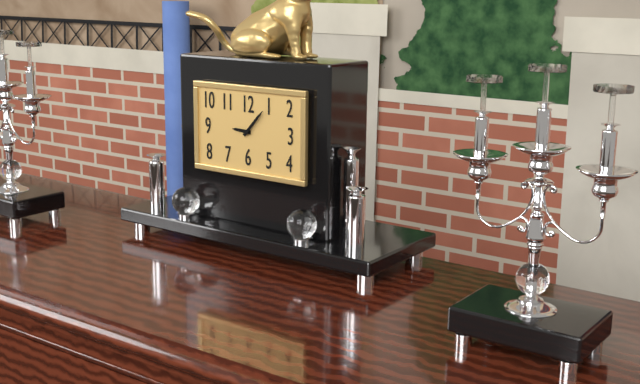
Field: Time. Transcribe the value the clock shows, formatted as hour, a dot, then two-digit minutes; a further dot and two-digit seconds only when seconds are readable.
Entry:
9.07
